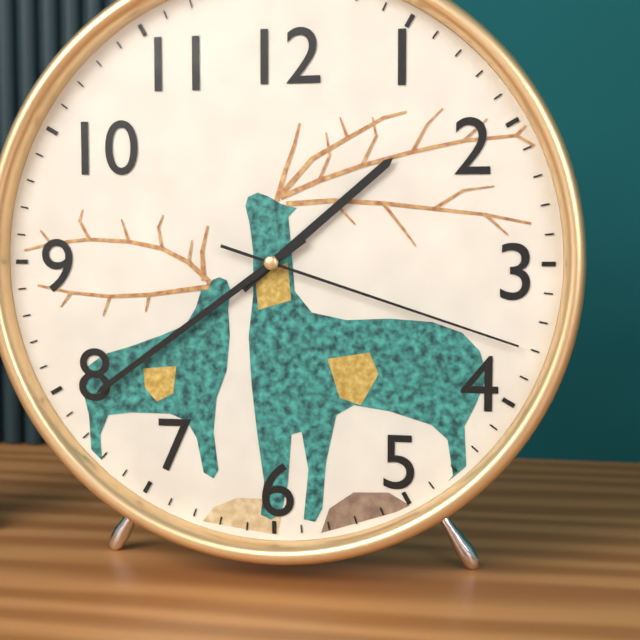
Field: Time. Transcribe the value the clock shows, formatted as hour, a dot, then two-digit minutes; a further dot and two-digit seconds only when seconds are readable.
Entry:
1.39.18
